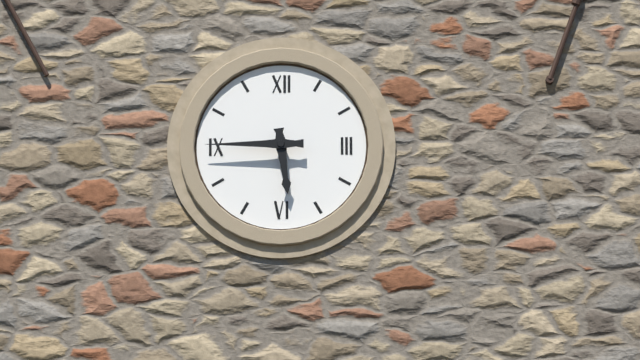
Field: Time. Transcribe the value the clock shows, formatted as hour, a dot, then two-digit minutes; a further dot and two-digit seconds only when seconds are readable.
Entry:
5.45
